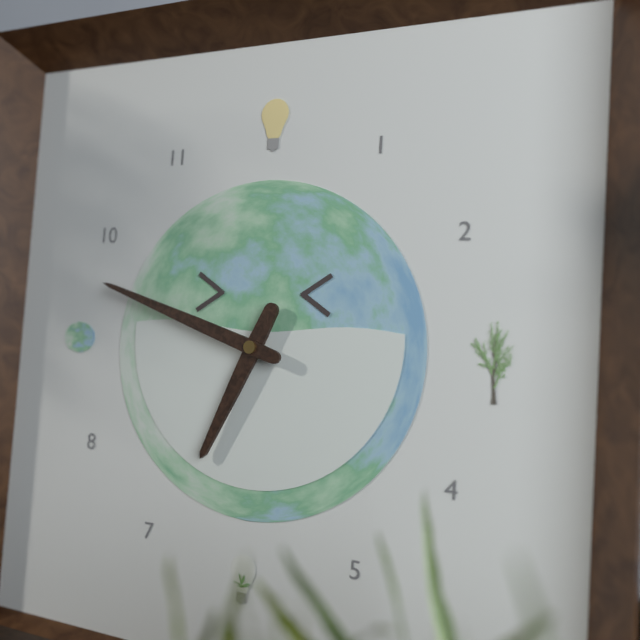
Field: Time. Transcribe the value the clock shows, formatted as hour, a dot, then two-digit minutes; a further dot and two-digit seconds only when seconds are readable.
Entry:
6.48
